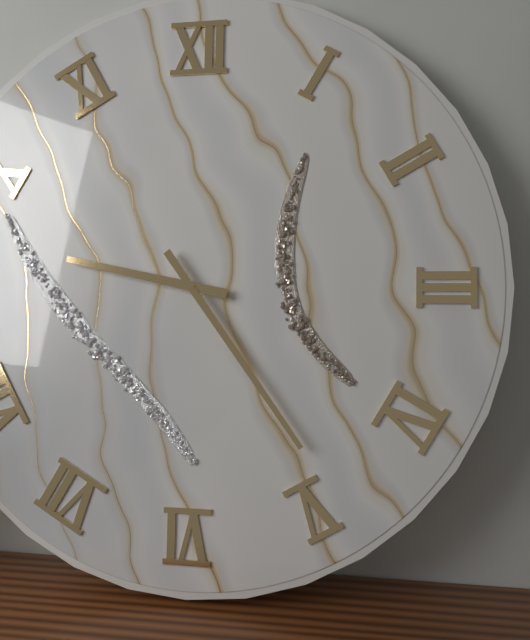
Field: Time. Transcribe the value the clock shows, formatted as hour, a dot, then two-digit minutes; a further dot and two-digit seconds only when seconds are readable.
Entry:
9.24
